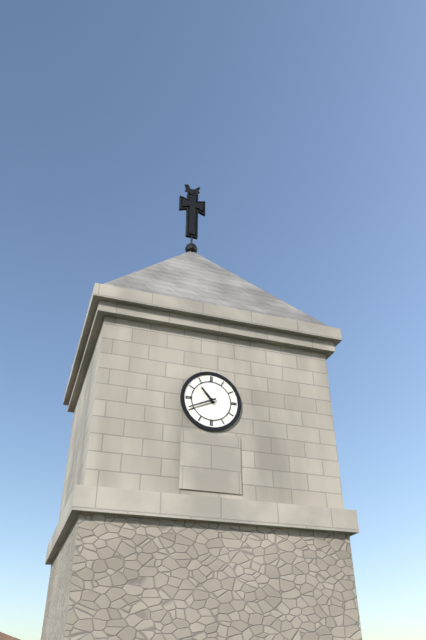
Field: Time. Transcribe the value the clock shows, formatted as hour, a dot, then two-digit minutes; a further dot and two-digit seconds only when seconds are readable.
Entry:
10.41
